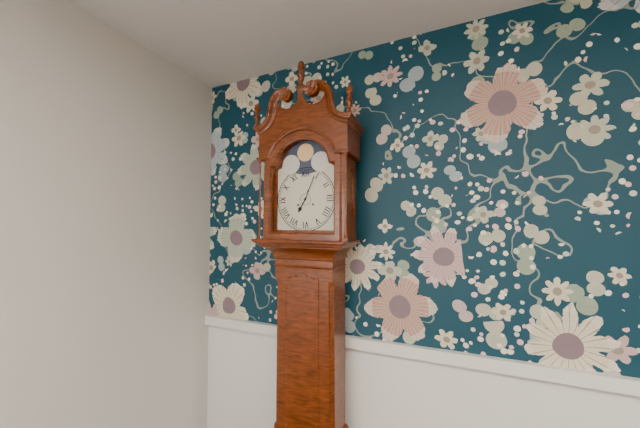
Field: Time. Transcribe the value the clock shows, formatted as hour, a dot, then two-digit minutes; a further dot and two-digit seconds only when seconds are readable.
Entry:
7.04
